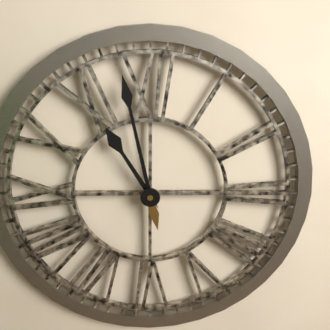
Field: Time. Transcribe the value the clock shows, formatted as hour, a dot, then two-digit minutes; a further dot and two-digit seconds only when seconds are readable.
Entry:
10.58
